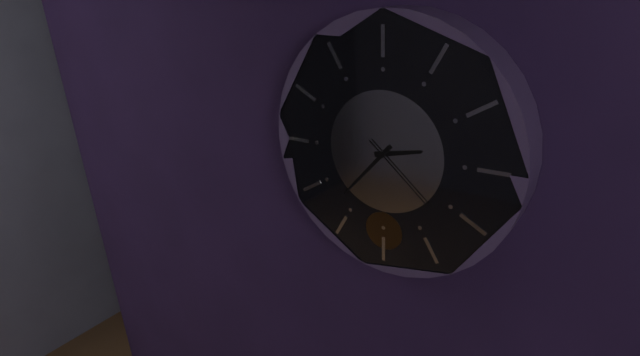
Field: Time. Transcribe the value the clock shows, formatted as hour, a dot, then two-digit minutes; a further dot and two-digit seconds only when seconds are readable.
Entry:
2.37.22
